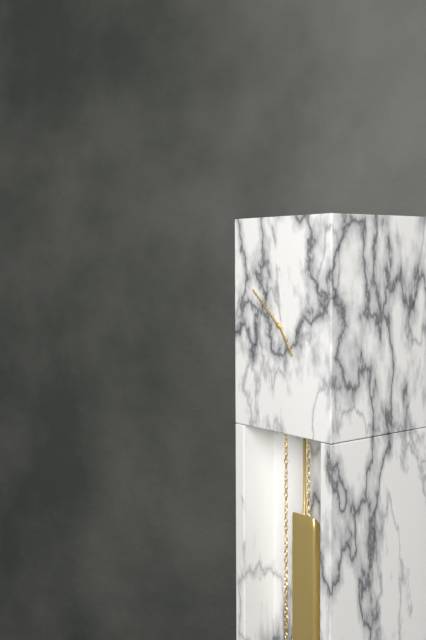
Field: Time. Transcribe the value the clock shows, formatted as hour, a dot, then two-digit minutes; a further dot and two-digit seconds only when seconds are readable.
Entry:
4.52
